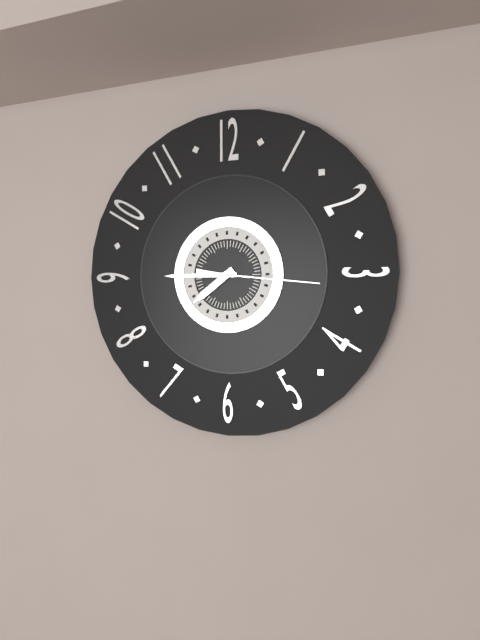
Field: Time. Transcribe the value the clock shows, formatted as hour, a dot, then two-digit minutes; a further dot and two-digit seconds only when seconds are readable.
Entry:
7.45.16
